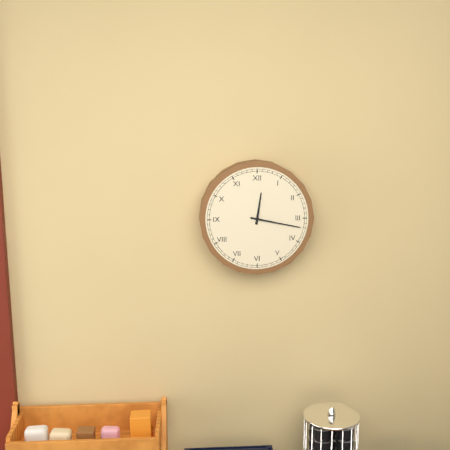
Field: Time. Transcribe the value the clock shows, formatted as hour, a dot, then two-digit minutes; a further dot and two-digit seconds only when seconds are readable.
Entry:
12.17
